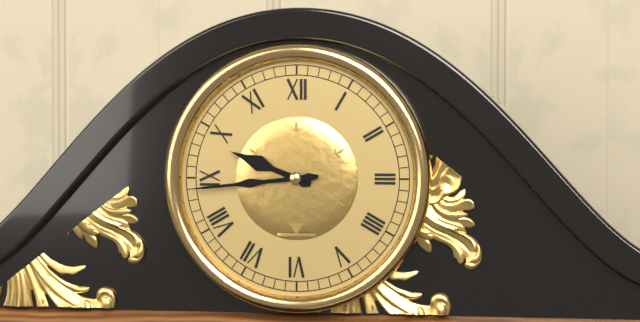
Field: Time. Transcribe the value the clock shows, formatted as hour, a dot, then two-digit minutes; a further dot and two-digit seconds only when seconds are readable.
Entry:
9.44
